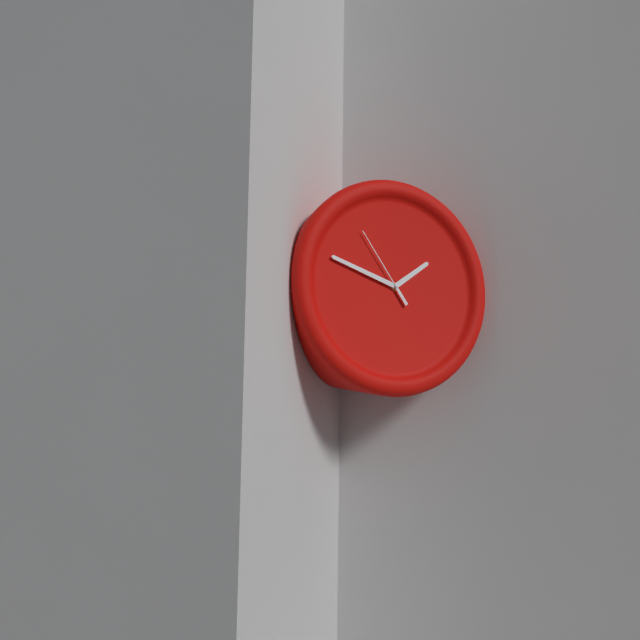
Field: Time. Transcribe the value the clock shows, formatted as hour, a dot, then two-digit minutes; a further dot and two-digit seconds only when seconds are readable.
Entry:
1.48.54
